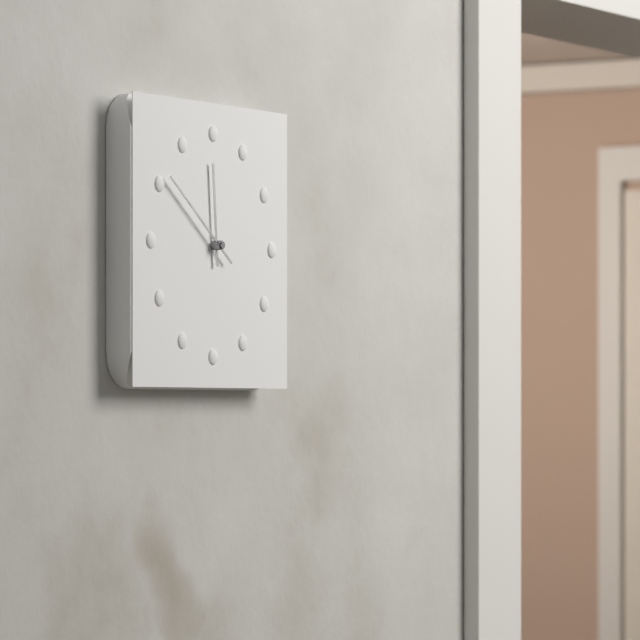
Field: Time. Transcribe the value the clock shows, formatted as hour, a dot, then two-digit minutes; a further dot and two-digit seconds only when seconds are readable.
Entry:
11.51
